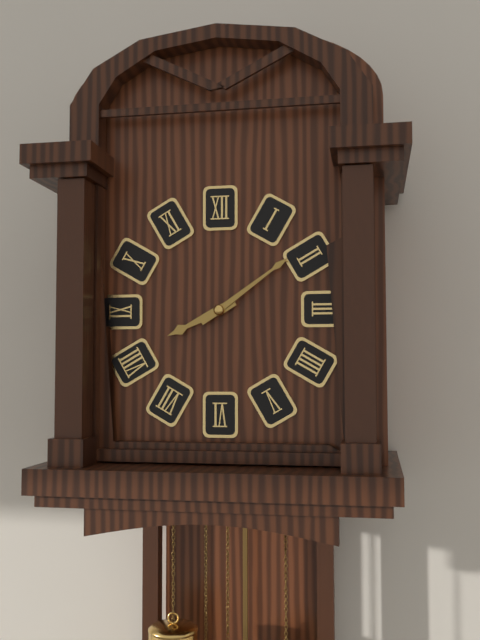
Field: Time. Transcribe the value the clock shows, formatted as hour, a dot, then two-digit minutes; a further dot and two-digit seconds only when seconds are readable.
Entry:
8.09
